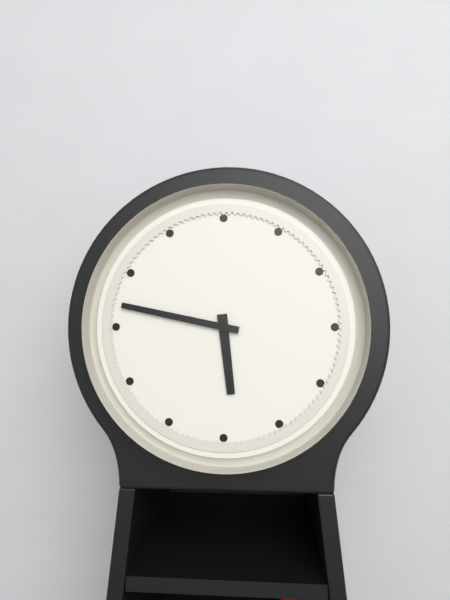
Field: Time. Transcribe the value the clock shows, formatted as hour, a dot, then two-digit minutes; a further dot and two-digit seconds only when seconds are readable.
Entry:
5.47
